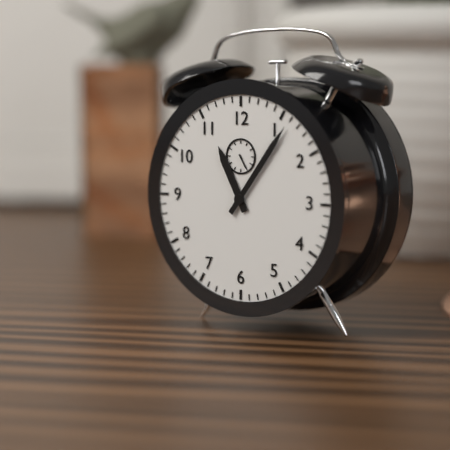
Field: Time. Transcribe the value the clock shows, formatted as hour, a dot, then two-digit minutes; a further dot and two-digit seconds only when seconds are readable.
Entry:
11.06
